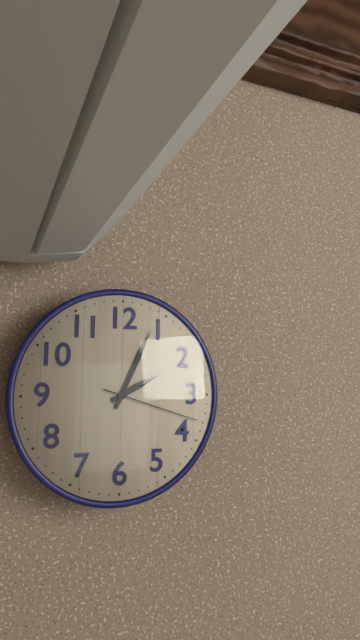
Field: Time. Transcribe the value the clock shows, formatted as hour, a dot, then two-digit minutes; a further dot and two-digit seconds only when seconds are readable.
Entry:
2.04.18
